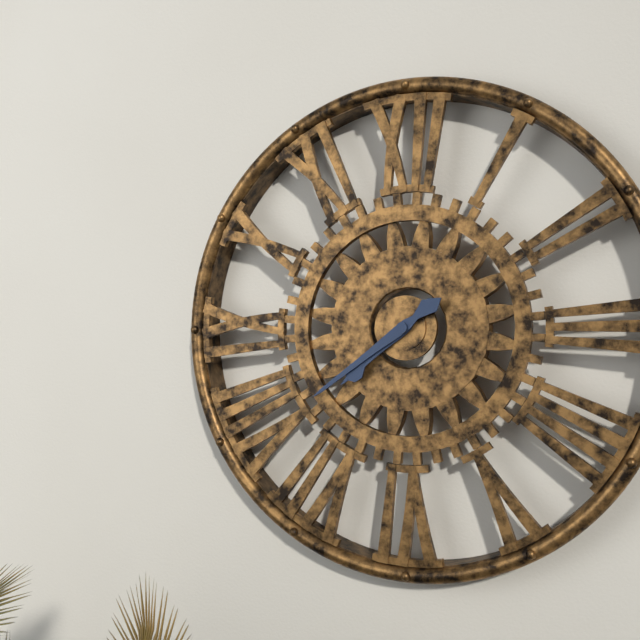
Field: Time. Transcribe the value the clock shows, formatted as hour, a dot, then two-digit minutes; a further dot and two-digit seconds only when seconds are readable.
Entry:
7.39
